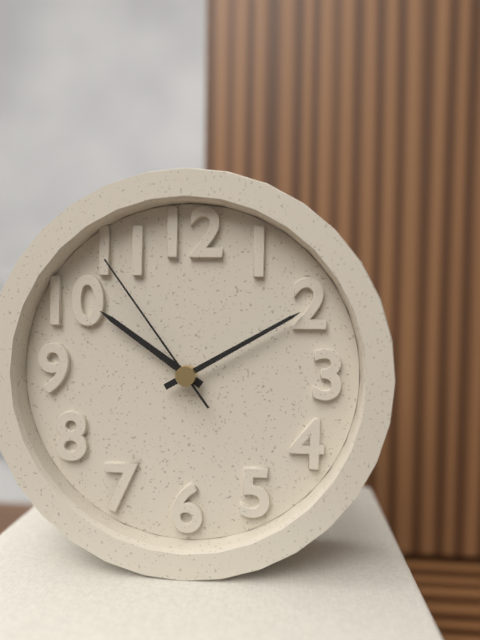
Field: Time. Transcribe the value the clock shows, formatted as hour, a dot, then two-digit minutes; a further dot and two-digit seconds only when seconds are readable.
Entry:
10.10.54
